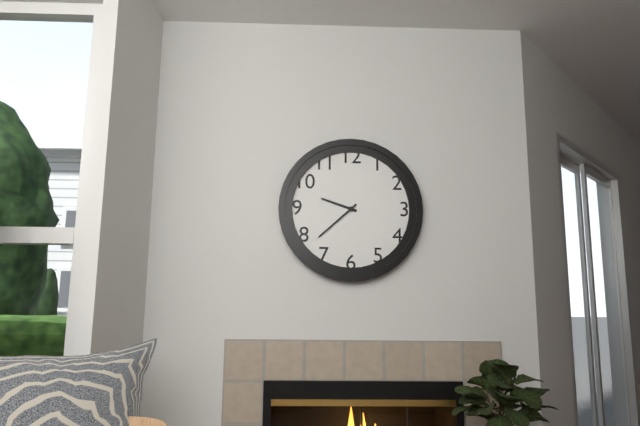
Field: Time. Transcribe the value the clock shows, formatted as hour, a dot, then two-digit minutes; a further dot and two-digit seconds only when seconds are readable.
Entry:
9.38
